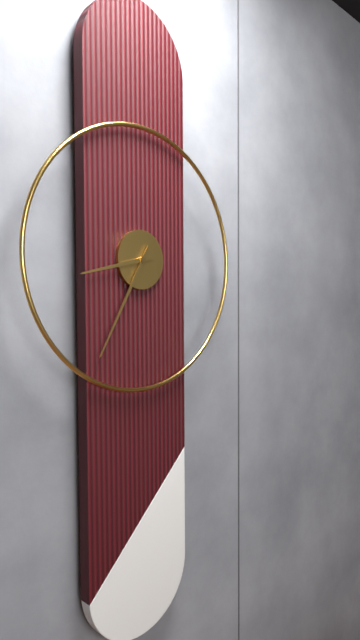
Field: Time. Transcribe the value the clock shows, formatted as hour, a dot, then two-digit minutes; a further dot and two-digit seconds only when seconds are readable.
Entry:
8.35
